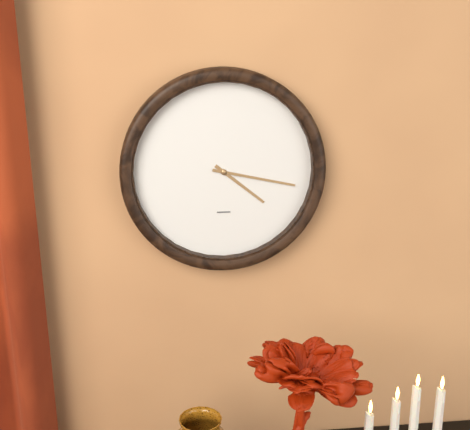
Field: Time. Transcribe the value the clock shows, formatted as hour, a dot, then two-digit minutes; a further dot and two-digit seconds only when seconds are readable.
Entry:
4.17
